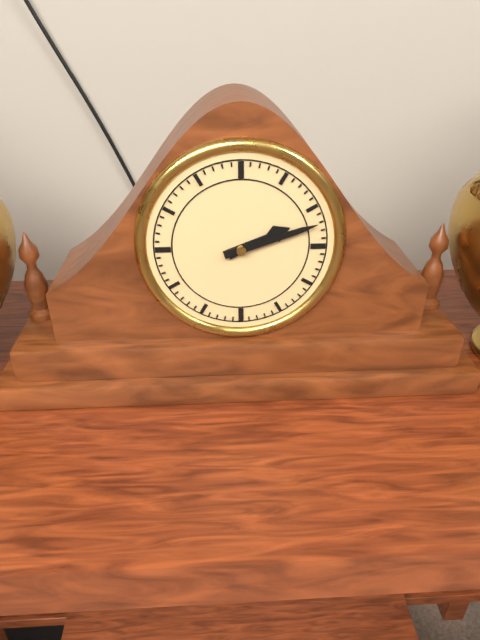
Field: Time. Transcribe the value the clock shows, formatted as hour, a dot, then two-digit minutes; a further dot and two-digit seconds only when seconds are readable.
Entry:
2.12
